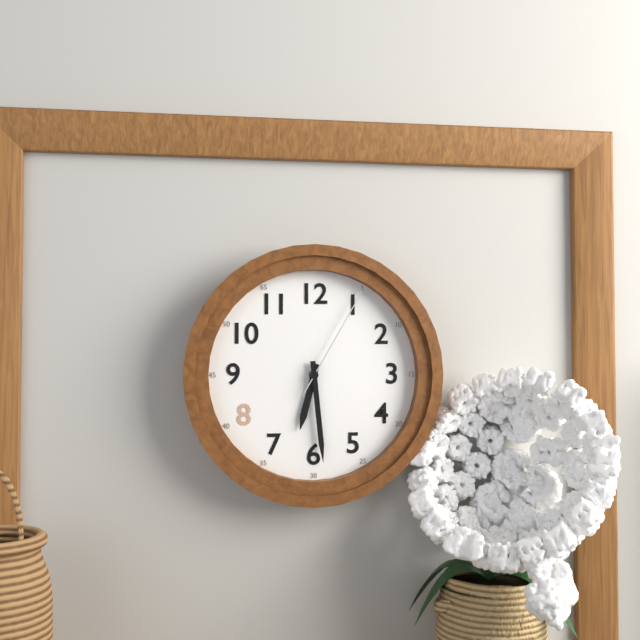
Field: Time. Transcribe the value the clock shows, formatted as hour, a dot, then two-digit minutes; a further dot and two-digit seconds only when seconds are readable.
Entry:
6.29.05
